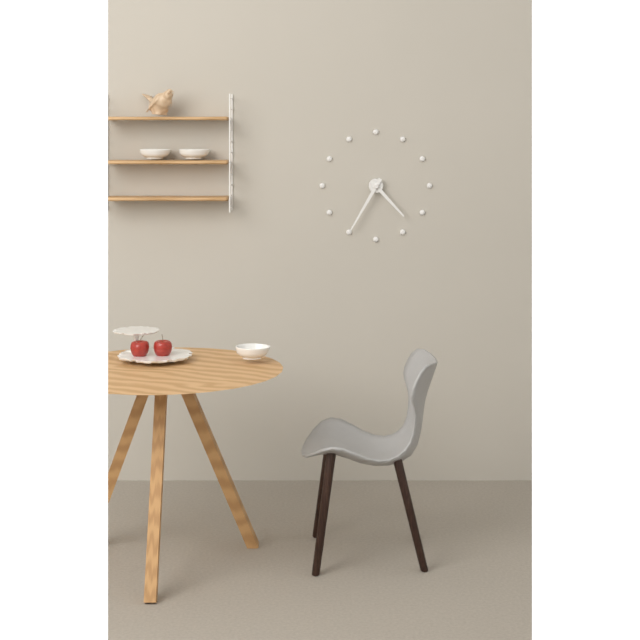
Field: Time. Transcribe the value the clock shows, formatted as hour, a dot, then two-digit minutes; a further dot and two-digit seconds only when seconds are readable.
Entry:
4.35
